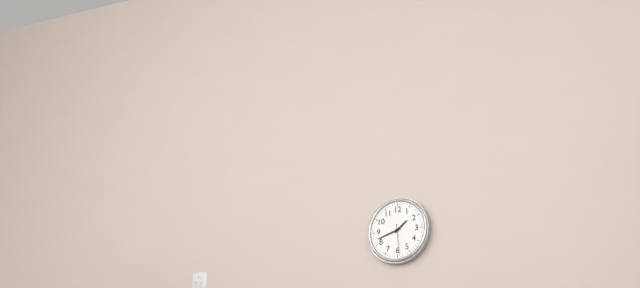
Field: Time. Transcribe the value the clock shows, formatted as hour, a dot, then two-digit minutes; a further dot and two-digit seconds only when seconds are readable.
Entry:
1.42
